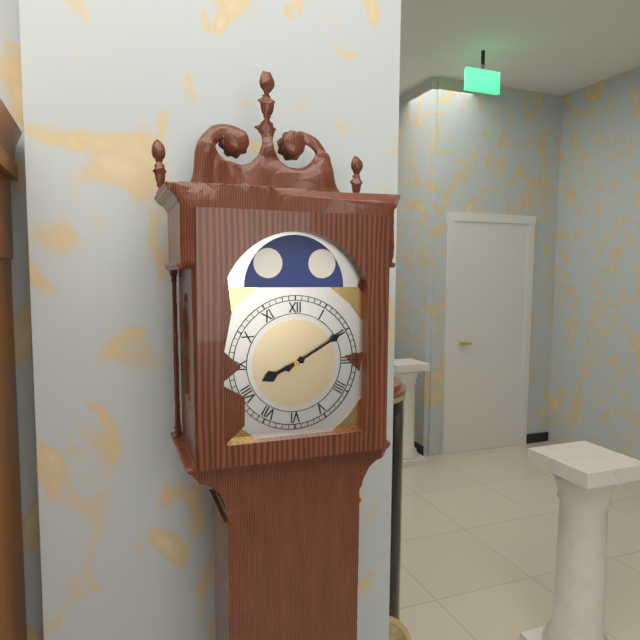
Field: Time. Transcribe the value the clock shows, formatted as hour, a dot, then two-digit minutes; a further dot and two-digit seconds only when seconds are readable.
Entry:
8.10
